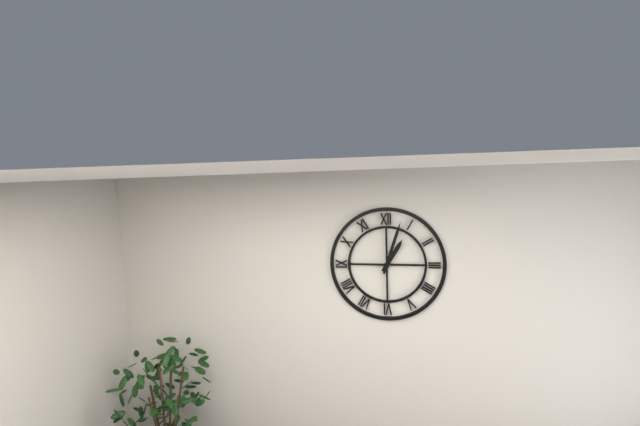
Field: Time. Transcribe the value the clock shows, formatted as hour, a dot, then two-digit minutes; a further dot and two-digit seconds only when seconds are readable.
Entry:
1.03
